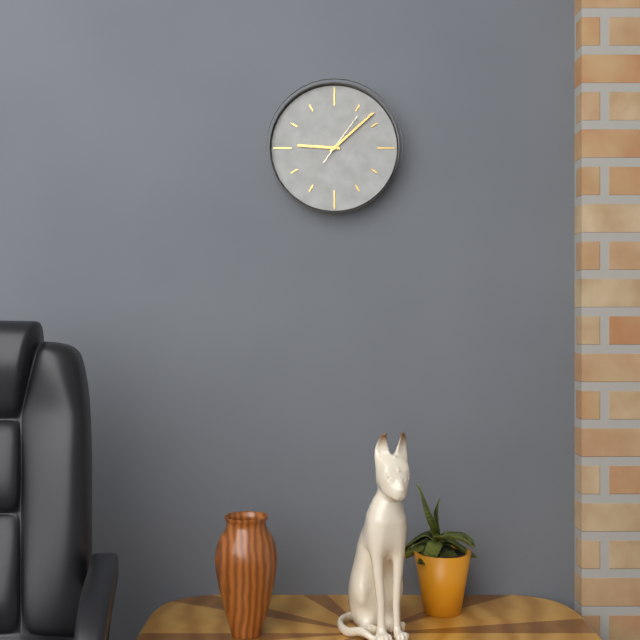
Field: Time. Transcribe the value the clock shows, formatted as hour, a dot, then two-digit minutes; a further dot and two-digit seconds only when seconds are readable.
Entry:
9.08
